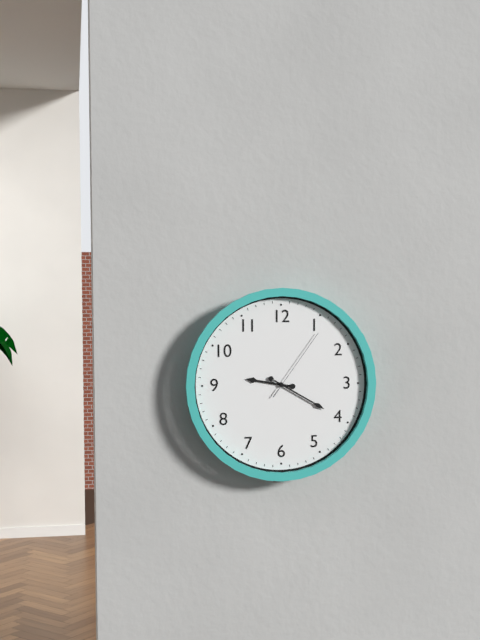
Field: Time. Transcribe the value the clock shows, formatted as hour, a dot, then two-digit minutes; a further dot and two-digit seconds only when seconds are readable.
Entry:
9.20.06
